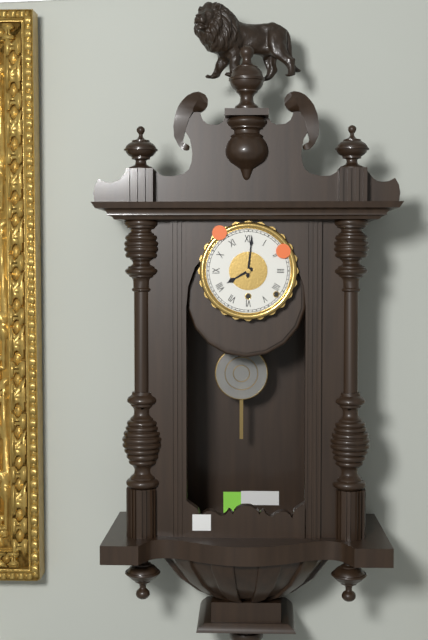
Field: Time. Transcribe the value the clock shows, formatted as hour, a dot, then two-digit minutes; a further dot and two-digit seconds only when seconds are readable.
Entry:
8.01
